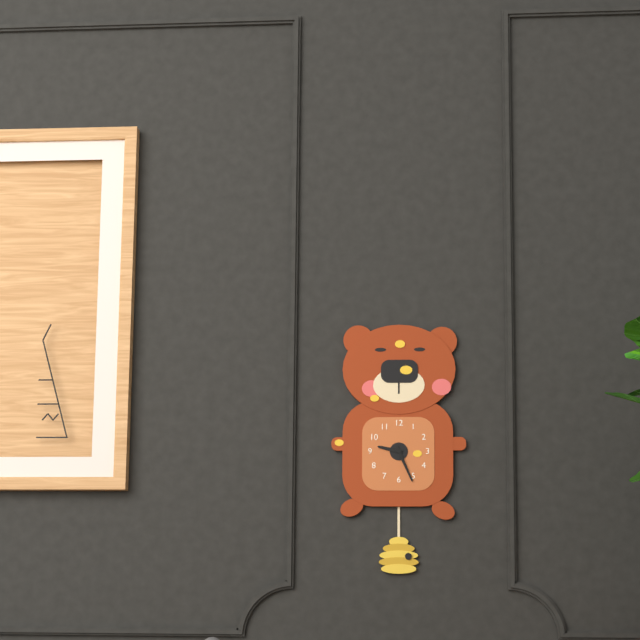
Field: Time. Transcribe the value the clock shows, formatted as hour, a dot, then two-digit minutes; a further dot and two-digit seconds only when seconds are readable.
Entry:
9.26
